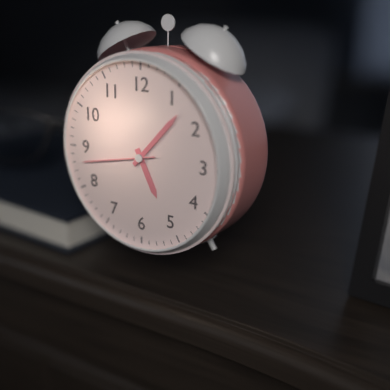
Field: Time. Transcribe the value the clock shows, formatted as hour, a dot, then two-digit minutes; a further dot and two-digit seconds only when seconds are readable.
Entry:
5.07.43
